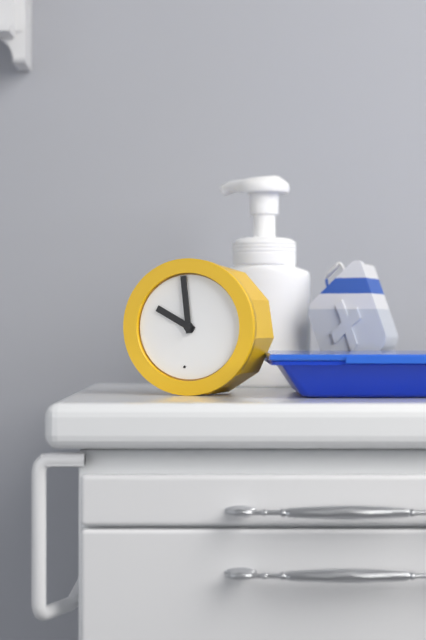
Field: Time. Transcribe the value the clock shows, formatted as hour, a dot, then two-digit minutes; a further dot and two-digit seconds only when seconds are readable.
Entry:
9.59
